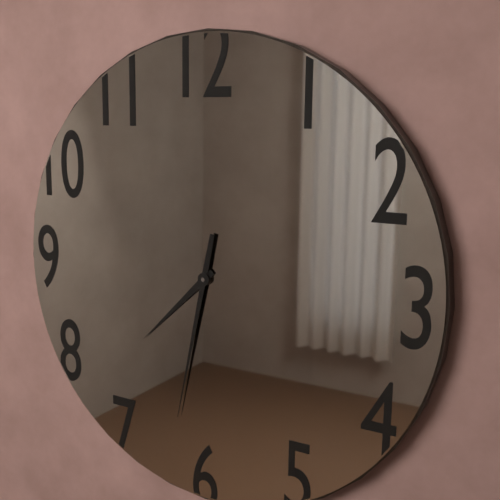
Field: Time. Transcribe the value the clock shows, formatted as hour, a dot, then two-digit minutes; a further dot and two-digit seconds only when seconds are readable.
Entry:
7.32
